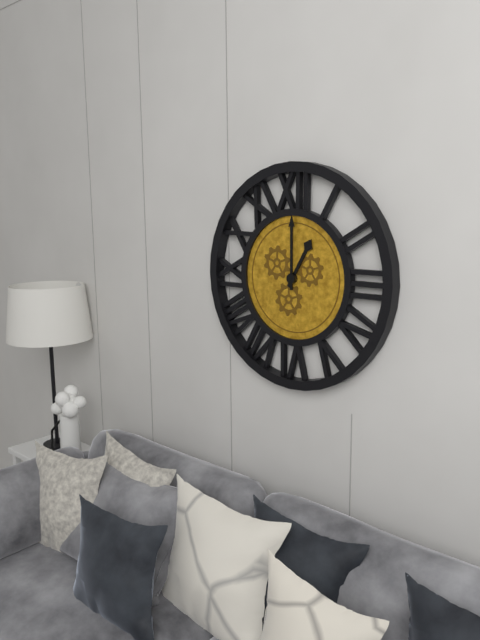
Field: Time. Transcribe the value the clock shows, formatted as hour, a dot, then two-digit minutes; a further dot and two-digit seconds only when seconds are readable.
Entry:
1.00
